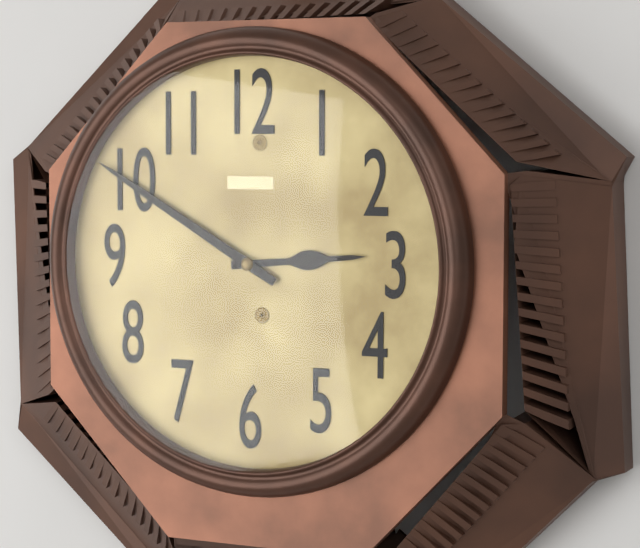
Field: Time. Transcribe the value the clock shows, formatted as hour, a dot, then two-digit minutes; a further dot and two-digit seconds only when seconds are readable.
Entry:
2.50
